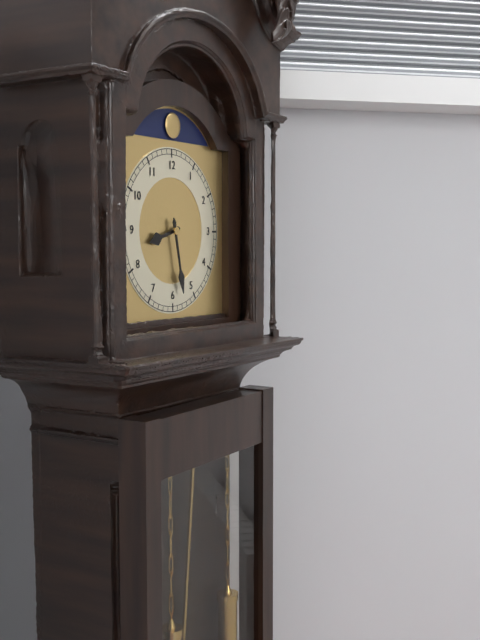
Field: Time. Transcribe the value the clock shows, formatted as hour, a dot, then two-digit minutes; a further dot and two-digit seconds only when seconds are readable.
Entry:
8.28
